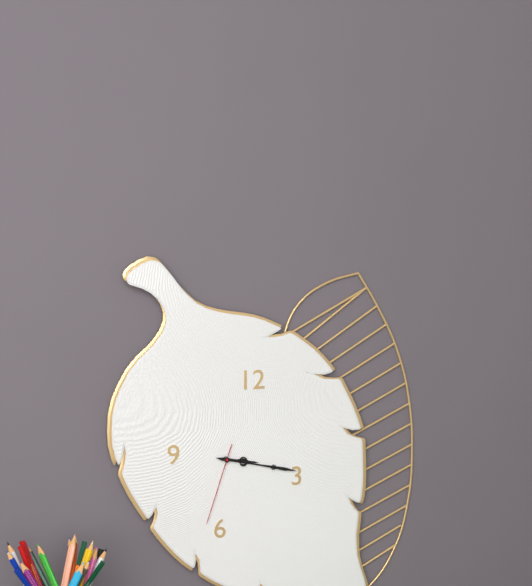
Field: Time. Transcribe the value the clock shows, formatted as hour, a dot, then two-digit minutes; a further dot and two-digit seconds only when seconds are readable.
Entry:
3.17.33
